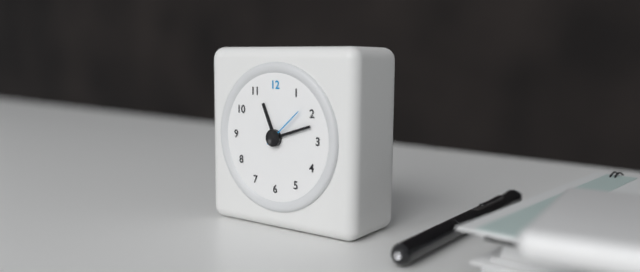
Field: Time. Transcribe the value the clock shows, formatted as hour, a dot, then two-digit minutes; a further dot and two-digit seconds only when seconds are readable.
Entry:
11.12
